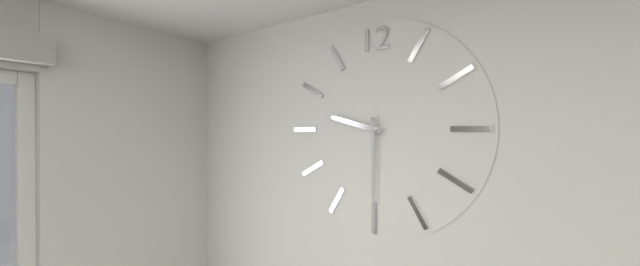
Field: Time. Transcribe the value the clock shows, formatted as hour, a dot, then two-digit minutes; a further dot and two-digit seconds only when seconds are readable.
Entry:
9.30
